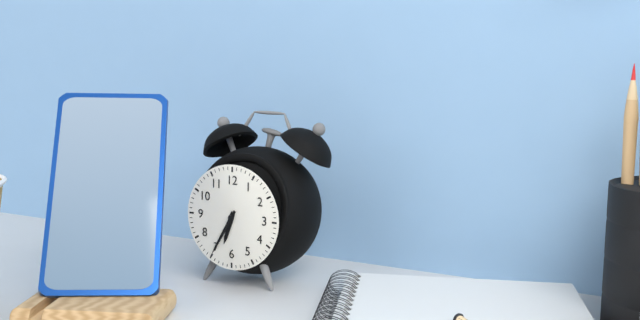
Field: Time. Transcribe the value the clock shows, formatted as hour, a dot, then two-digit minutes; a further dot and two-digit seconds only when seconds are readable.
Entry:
6.35
